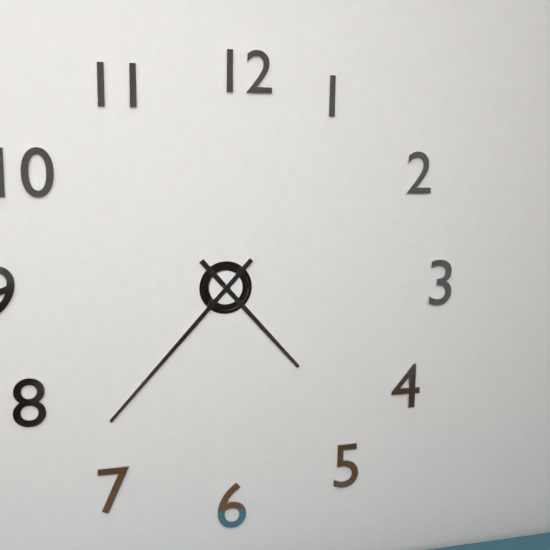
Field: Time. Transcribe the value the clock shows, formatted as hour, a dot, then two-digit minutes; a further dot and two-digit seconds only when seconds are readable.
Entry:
4.37
